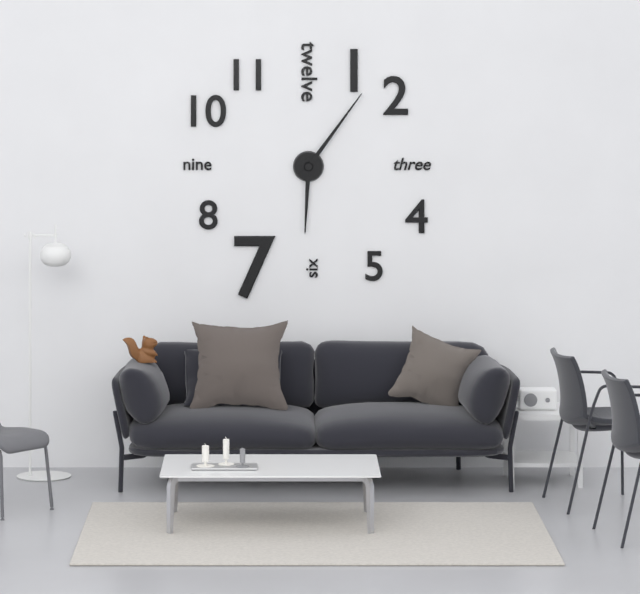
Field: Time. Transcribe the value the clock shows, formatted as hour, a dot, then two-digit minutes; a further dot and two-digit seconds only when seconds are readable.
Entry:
6.06
